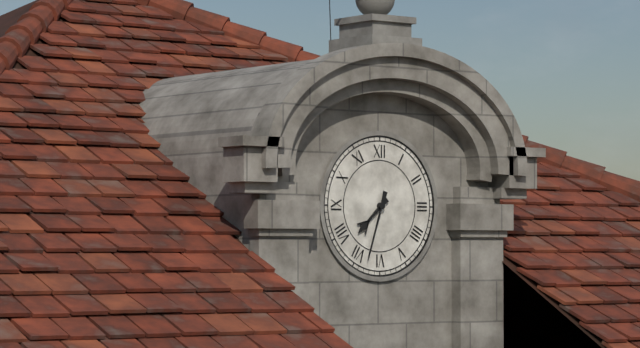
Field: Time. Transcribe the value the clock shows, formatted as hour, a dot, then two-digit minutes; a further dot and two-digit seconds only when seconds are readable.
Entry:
7.33
